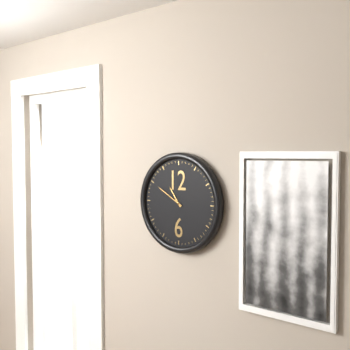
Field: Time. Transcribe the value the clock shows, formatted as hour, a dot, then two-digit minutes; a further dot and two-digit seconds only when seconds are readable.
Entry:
10.50
